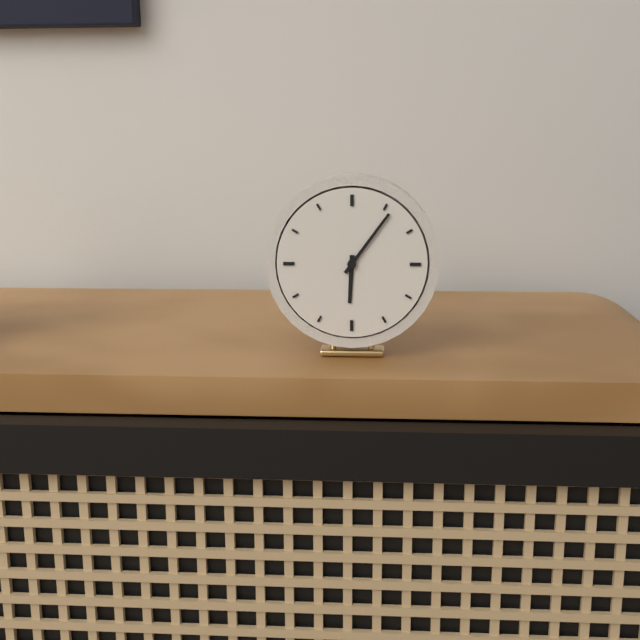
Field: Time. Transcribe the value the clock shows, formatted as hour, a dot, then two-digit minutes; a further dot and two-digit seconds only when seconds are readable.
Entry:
6.06
